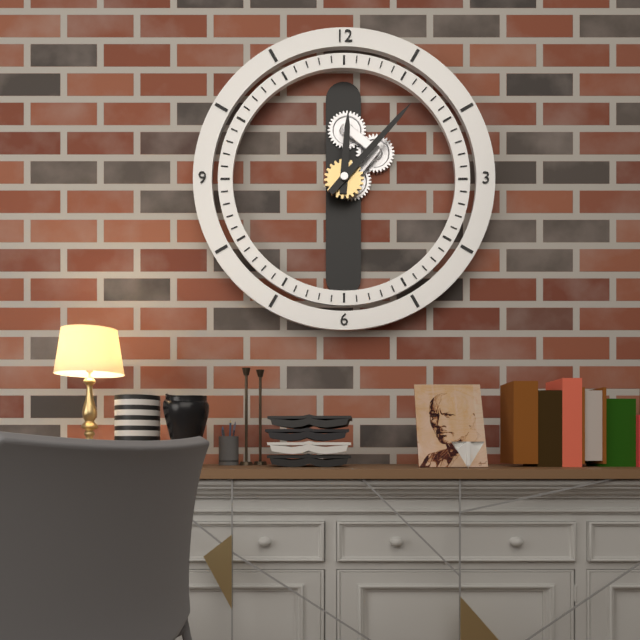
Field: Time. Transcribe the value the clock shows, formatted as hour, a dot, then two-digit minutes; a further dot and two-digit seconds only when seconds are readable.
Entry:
12.07
